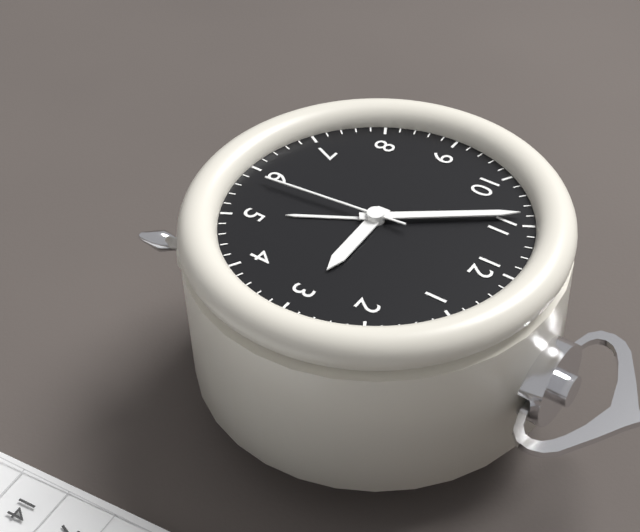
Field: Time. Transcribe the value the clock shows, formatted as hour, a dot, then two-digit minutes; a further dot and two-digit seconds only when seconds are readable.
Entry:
2.54.29
